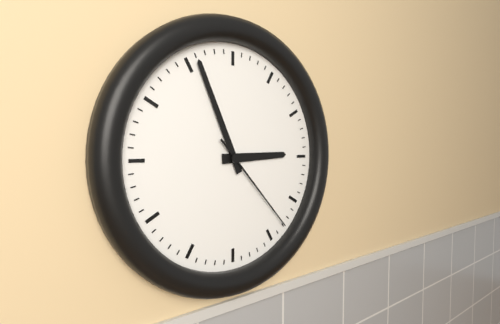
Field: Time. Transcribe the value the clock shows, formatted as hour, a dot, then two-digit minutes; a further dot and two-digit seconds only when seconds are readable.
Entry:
2.56.23
